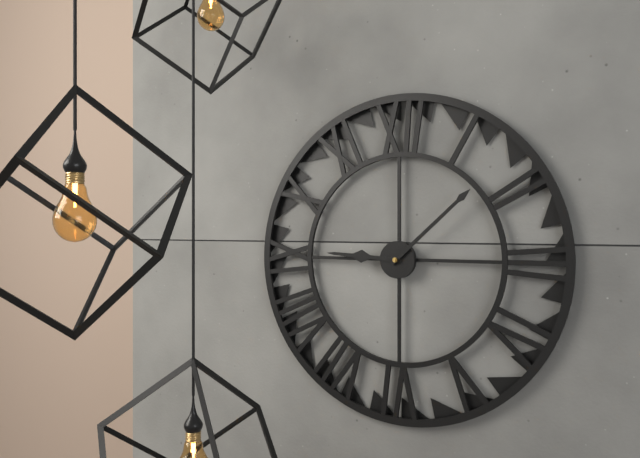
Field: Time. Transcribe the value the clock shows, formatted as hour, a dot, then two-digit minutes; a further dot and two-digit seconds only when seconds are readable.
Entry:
9.08
